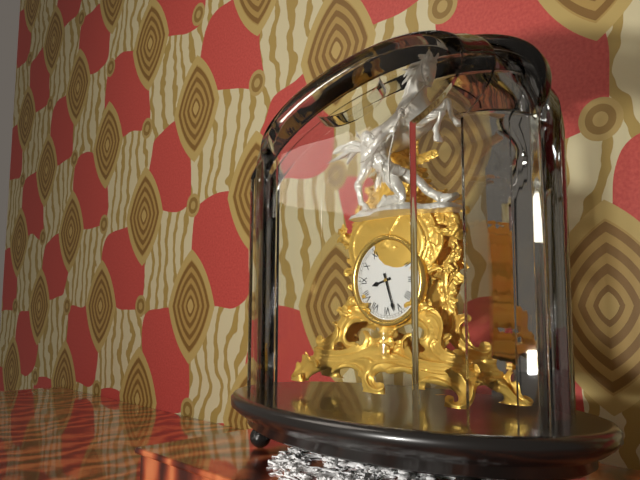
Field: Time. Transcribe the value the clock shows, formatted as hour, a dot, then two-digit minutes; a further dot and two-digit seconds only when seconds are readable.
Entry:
8.27
